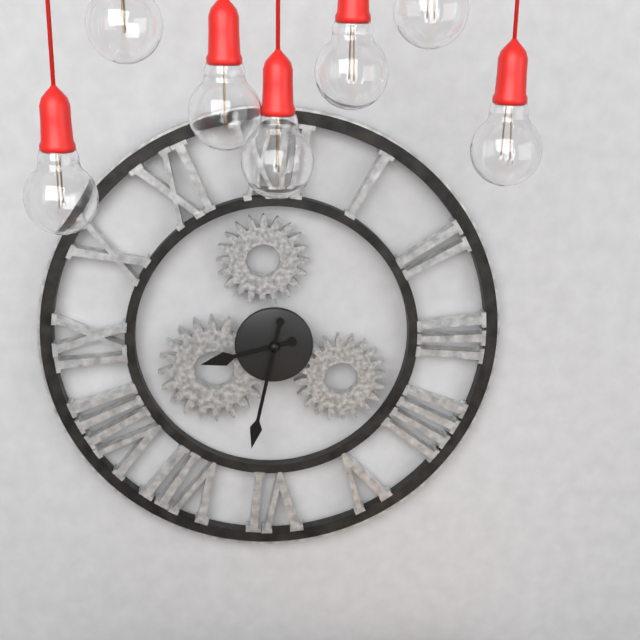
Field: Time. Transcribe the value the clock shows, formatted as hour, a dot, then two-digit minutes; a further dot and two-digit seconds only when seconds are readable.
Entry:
8.32
